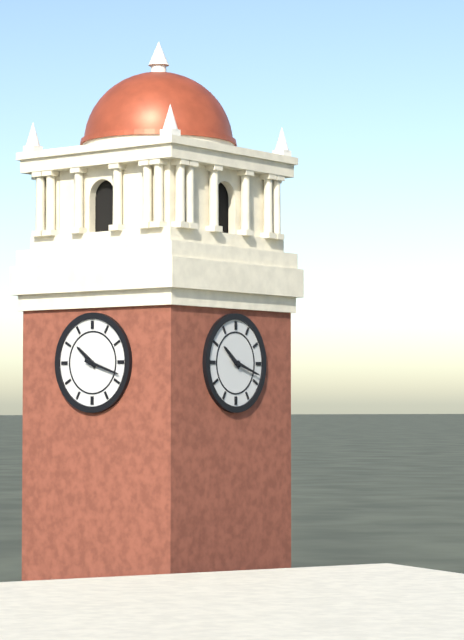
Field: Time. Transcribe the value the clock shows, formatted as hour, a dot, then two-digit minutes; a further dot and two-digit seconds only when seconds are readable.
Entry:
10.18
